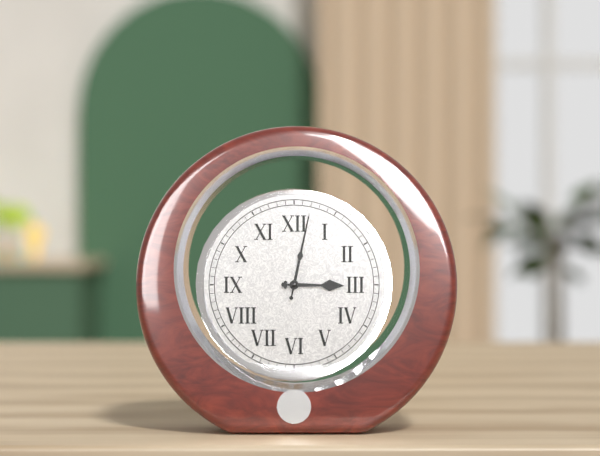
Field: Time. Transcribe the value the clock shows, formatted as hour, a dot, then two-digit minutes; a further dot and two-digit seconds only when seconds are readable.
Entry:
3.02
